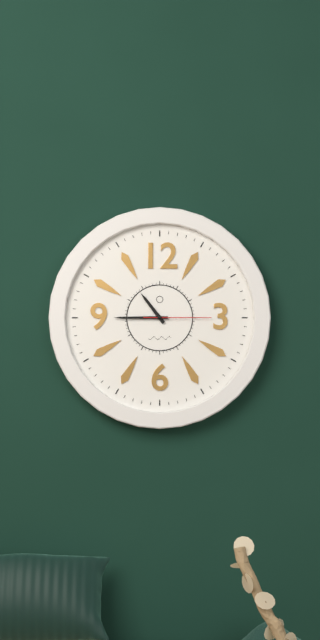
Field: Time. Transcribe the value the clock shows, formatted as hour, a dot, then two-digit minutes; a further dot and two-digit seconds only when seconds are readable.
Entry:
10.45.15
